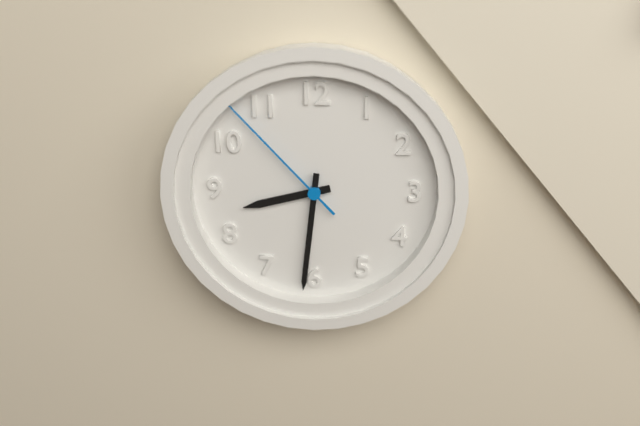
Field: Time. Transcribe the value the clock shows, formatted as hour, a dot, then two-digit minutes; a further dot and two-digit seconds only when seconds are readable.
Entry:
8.31.53
